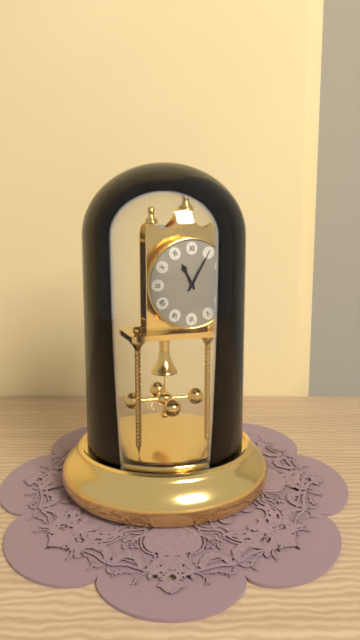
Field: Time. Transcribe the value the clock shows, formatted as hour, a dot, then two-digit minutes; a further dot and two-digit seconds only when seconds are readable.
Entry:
11.05
